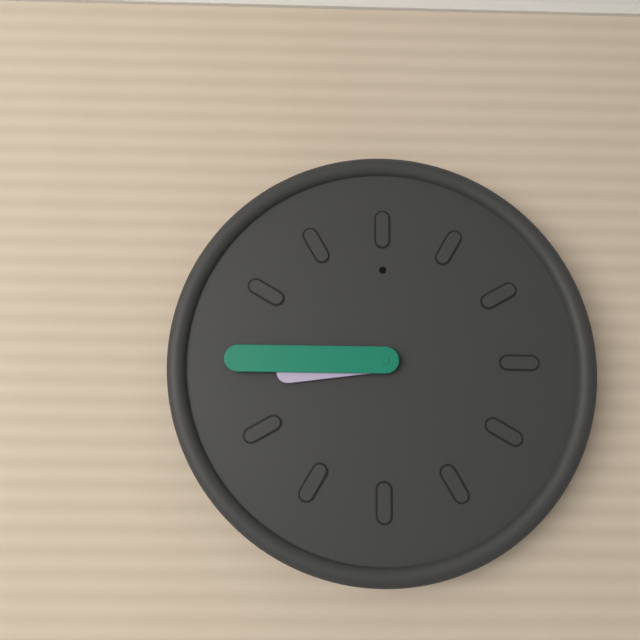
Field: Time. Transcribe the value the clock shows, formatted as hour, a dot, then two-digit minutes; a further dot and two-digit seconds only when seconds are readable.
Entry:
8.45
